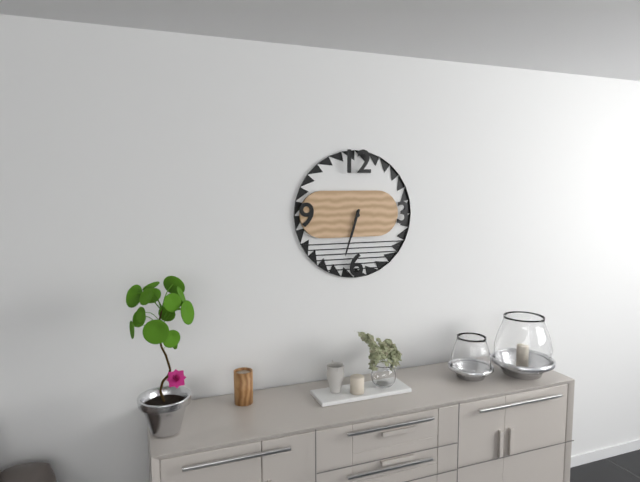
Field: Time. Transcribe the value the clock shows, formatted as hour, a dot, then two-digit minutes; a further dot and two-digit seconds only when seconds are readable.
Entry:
6.33
